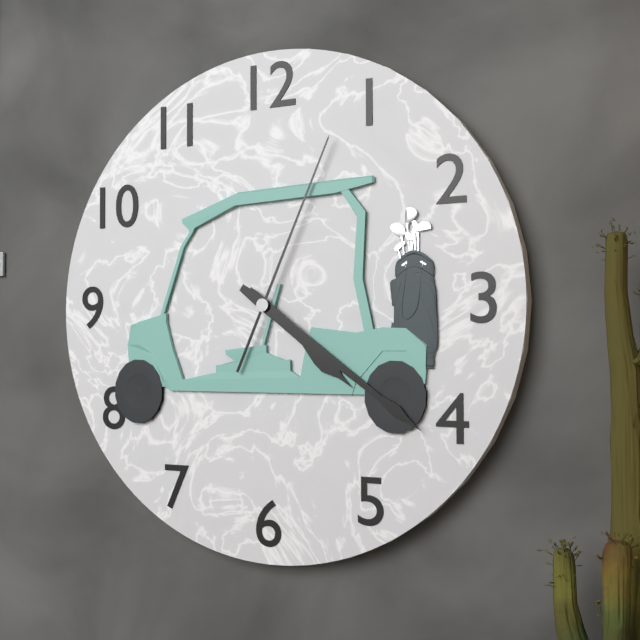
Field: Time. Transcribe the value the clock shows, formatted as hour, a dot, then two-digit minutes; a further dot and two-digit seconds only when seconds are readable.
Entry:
4.21.04
